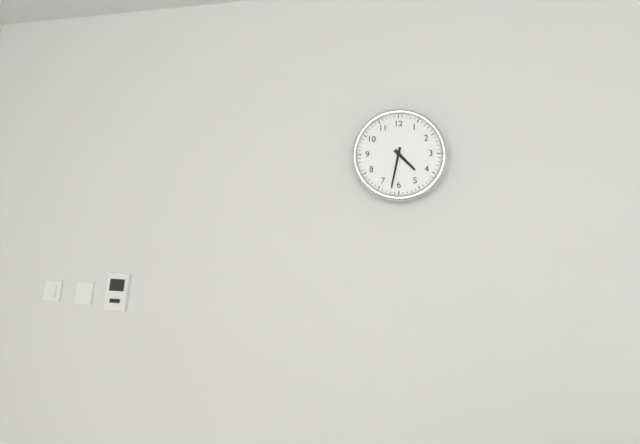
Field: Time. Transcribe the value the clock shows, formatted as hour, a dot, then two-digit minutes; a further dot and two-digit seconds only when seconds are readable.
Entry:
4.32
